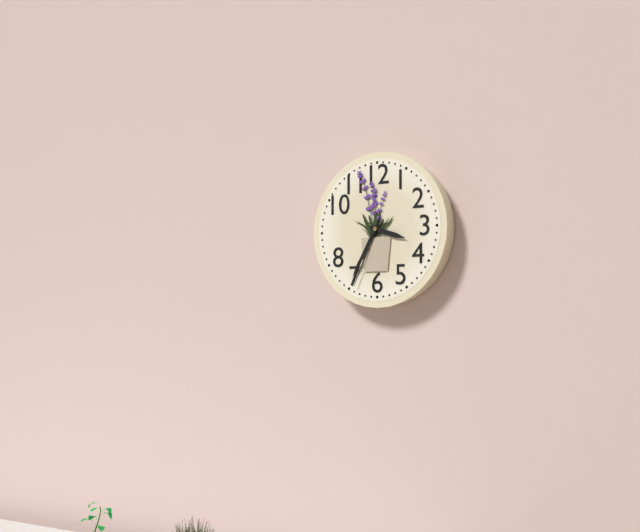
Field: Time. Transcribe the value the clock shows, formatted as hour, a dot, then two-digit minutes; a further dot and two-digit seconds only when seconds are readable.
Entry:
3.35.34
